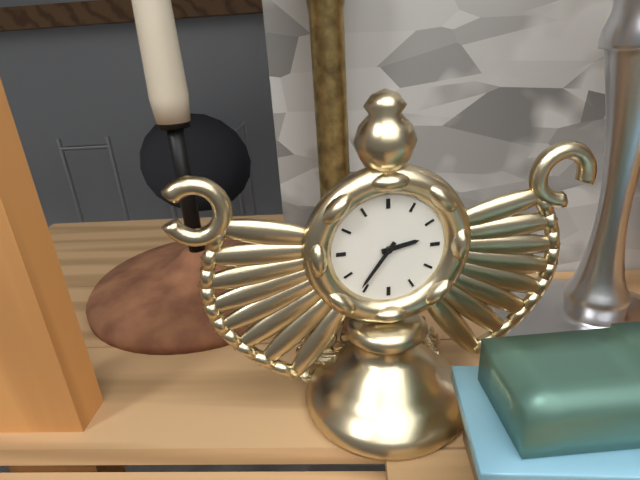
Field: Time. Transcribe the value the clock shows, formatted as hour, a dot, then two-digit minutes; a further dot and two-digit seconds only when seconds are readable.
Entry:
2.36
